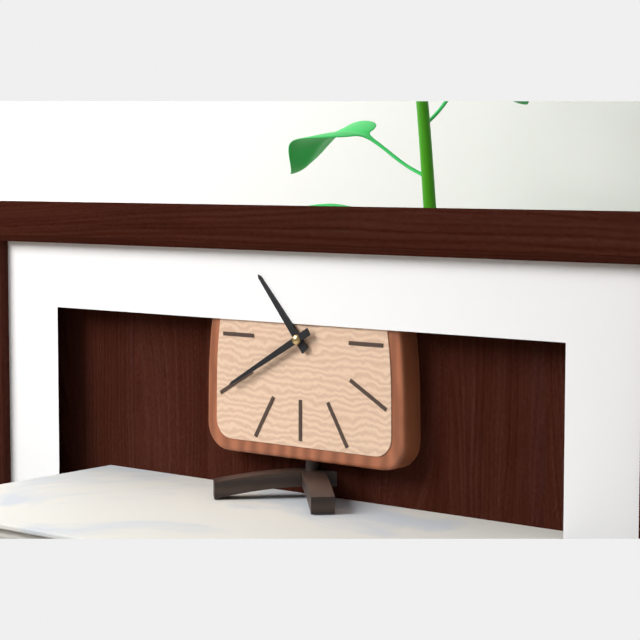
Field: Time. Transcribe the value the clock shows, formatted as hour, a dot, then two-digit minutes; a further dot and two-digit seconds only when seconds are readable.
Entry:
10.40
